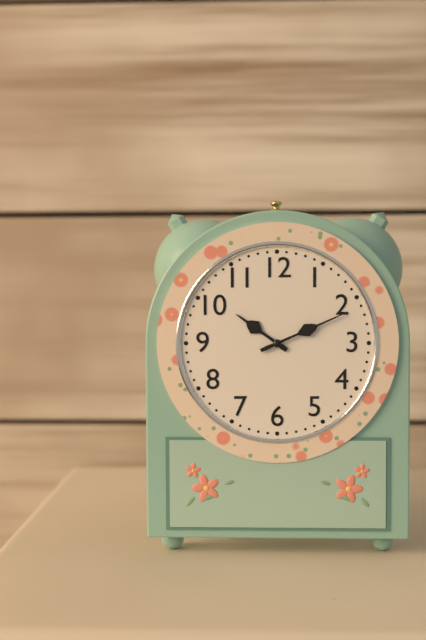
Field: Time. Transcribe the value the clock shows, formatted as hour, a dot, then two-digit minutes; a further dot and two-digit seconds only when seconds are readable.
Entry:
10.11
